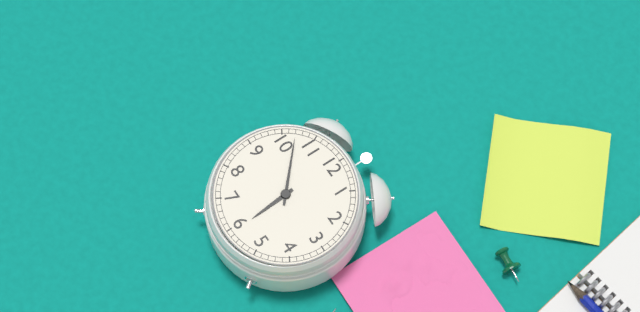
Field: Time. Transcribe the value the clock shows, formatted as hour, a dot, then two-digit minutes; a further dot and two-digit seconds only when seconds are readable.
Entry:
5.52
